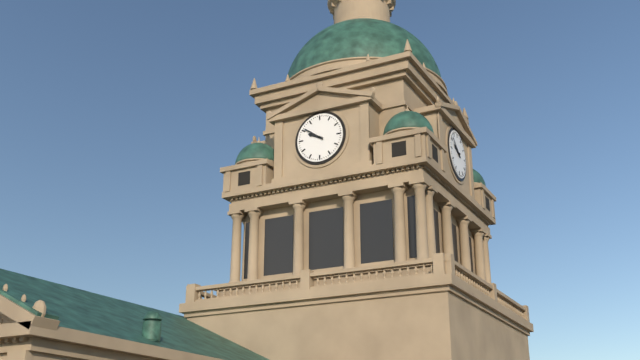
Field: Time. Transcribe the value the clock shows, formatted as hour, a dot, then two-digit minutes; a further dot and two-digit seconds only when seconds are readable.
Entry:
9.51
